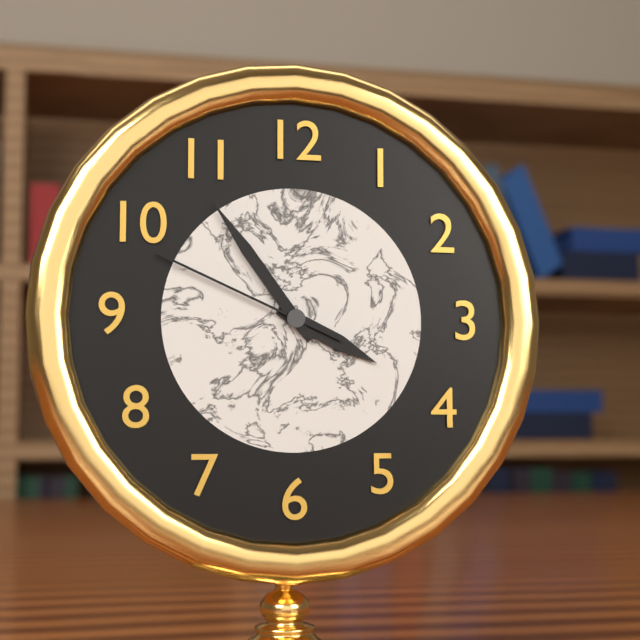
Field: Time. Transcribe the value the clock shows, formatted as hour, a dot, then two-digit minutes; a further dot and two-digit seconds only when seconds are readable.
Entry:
3.54.49
